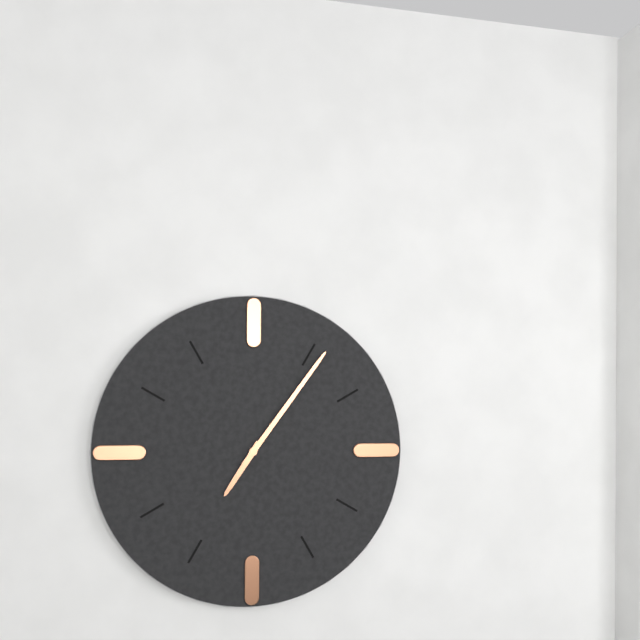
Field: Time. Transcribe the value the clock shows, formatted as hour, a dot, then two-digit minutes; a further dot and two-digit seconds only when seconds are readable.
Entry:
7.06
